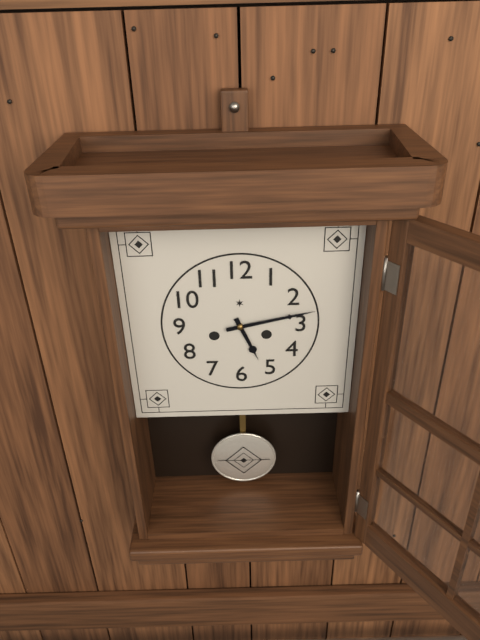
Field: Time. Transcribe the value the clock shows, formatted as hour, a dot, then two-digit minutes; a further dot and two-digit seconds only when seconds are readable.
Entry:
5.13
